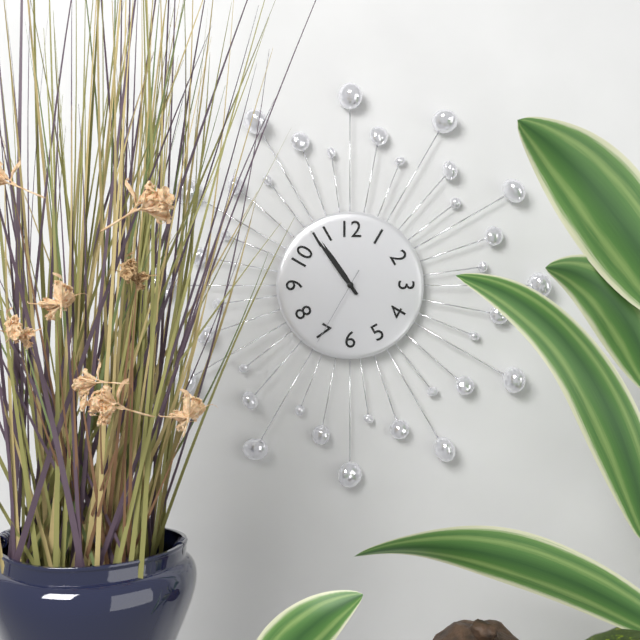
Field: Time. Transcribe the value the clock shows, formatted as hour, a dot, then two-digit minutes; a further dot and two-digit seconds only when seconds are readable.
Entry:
10.54.35
